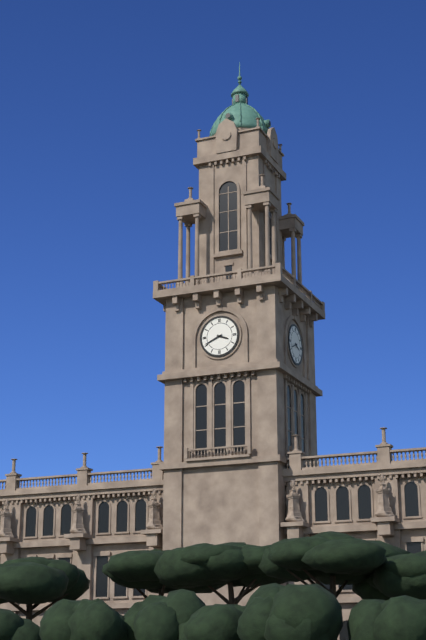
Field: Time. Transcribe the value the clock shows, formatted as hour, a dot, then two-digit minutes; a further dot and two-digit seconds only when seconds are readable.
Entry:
3.41
